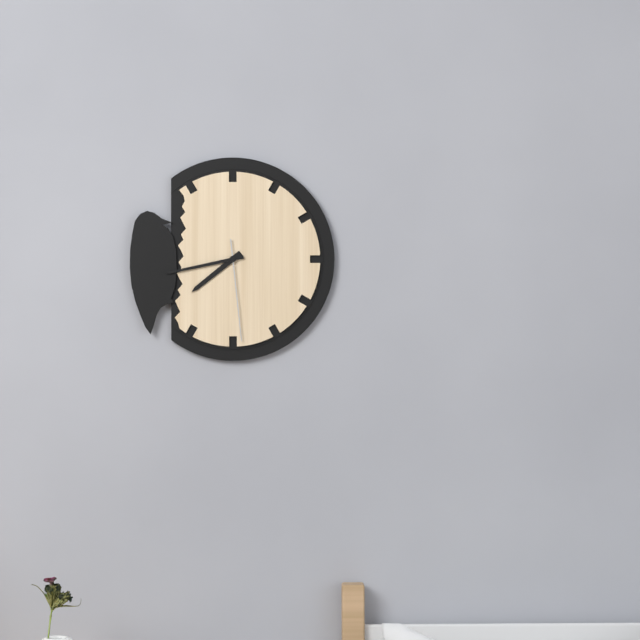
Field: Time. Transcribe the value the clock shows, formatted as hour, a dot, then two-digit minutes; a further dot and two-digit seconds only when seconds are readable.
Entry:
7.43.29
